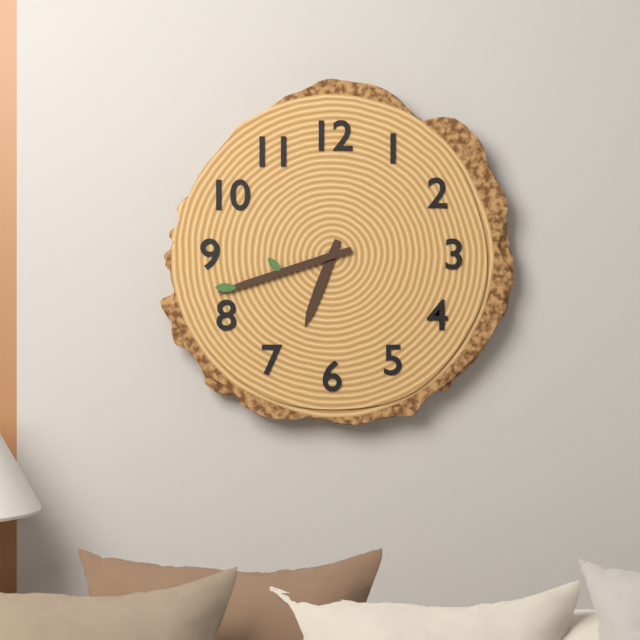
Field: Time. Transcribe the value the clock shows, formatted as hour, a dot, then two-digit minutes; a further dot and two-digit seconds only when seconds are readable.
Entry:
6.42
